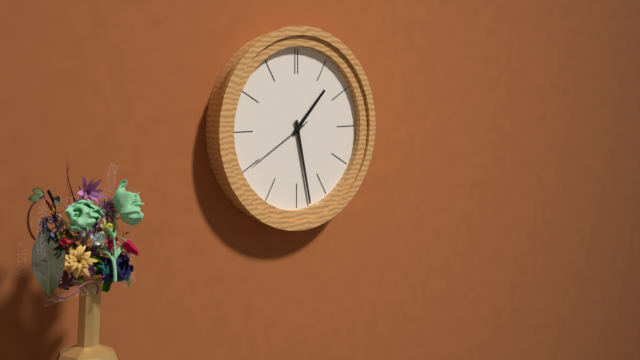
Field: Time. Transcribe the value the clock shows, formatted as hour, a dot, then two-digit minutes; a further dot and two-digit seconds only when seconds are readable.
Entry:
1.28.40
